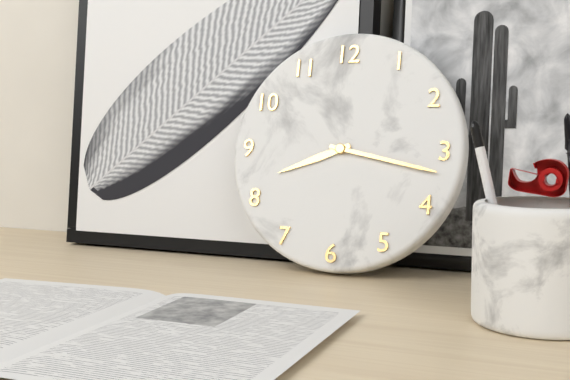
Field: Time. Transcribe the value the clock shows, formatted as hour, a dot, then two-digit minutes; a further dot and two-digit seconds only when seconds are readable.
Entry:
8.17
